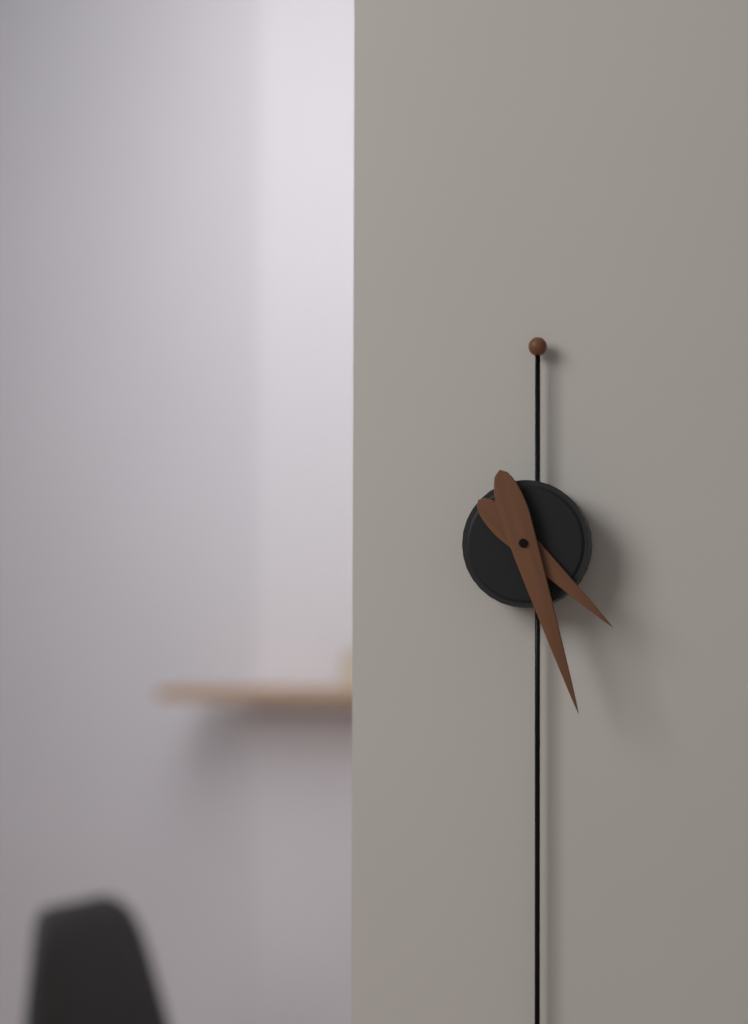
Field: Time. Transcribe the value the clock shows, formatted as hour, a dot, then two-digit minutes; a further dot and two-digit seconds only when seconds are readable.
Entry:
4.27
